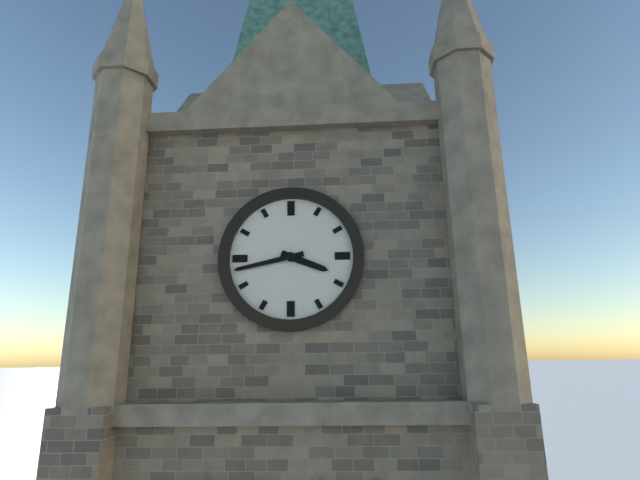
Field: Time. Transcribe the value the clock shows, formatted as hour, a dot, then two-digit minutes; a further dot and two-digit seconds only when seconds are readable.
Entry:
3.43
